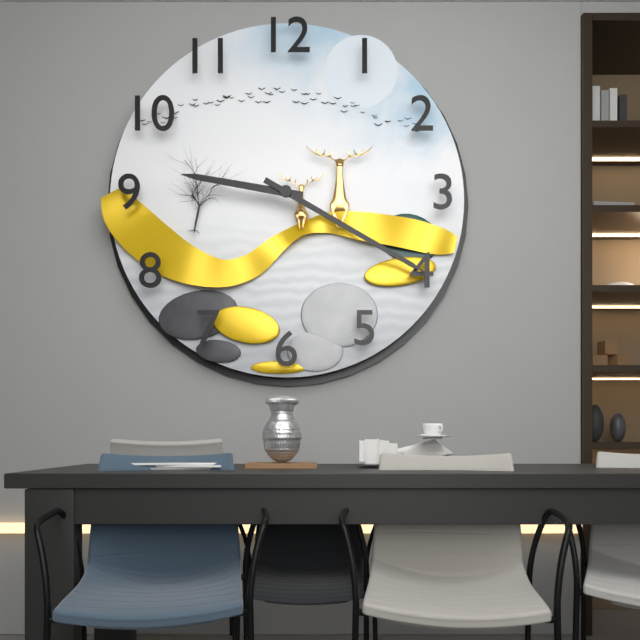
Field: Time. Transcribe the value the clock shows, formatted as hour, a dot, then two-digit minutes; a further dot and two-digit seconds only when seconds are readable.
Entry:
9.20
